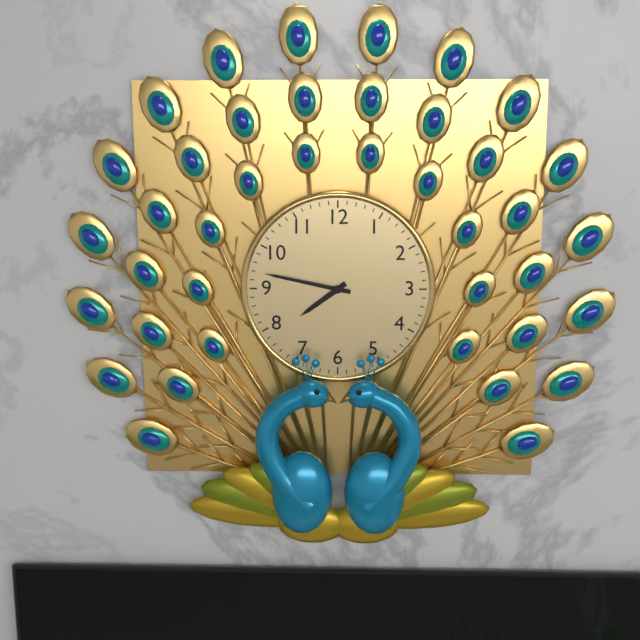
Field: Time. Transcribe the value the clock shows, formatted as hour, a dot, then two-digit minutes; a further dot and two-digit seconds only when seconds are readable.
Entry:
7.47
